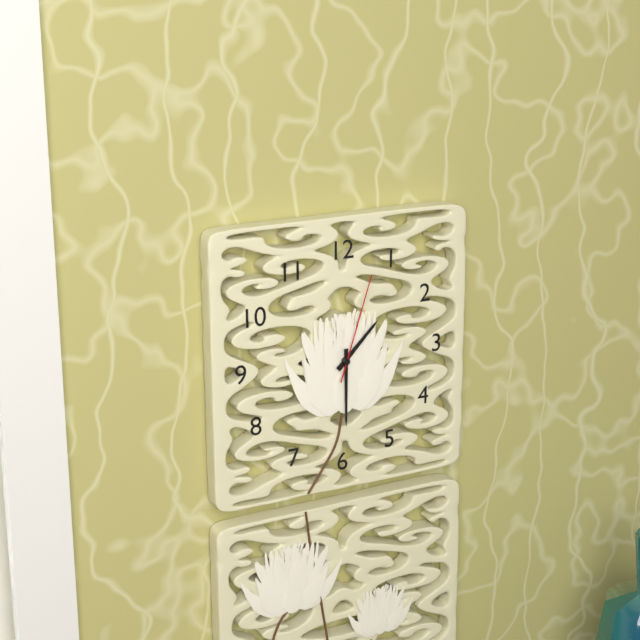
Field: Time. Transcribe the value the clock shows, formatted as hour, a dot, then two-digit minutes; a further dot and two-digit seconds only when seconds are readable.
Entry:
1.30.03
